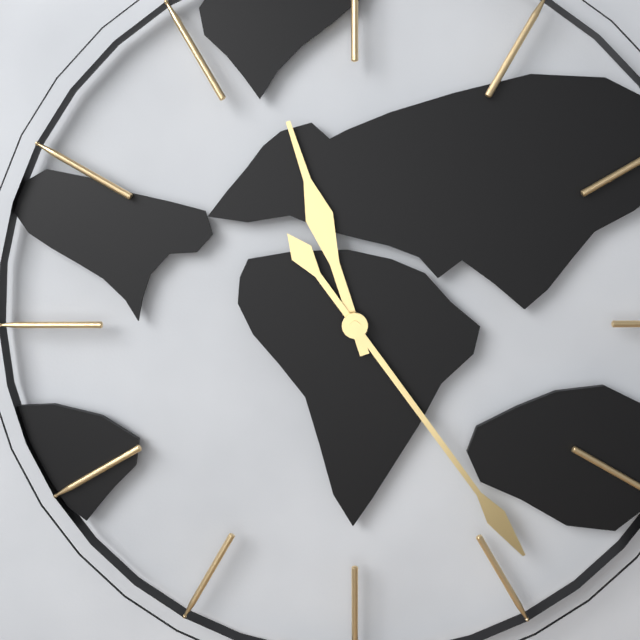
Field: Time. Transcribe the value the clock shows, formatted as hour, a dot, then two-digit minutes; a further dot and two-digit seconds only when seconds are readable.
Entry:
11.24
